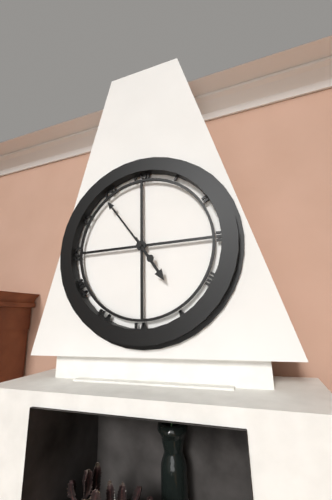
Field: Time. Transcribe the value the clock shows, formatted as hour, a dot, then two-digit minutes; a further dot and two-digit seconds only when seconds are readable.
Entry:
4.54
